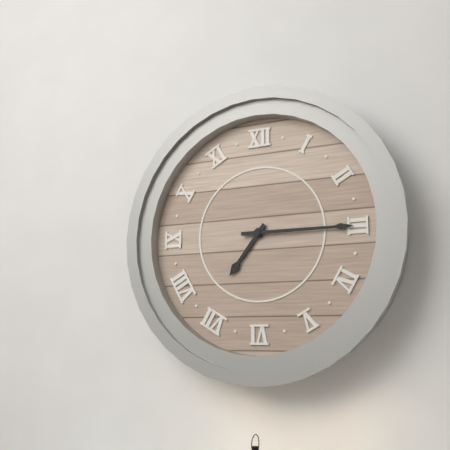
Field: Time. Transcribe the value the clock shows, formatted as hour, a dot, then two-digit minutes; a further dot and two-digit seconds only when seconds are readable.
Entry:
7.15
